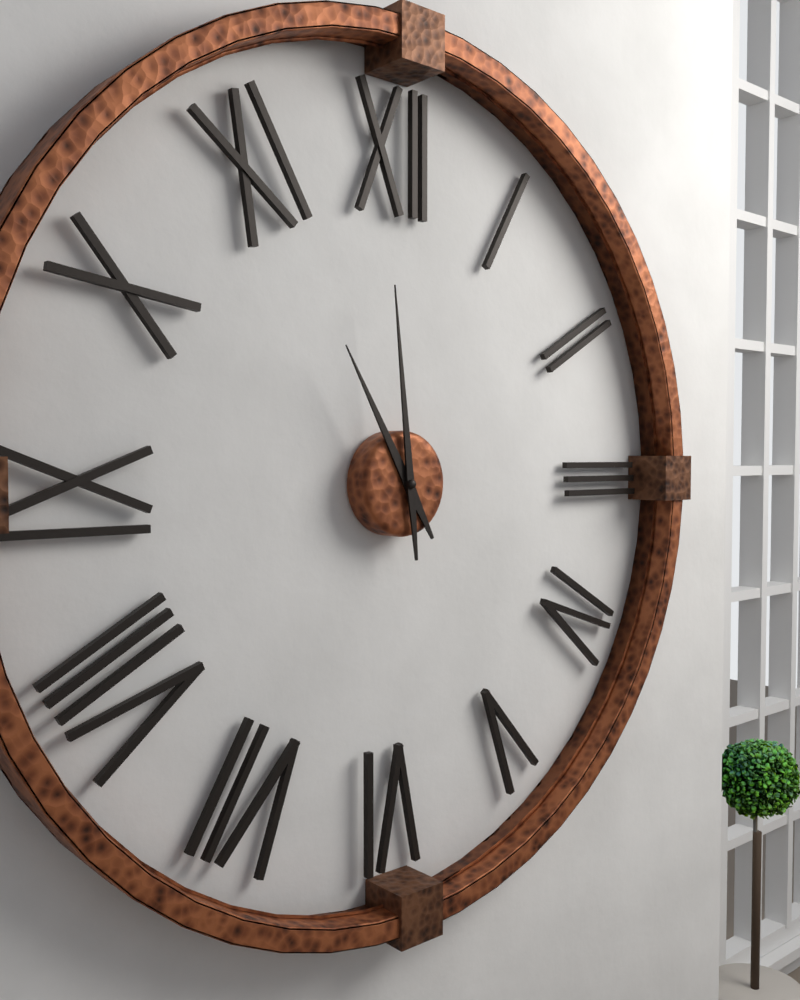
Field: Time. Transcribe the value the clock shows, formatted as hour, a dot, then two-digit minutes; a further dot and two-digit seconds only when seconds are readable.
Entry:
10.59
